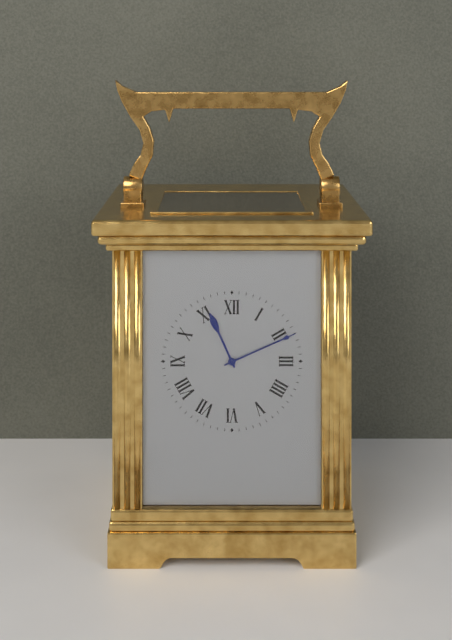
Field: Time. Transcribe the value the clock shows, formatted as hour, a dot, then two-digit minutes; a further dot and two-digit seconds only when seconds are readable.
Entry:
11.11
